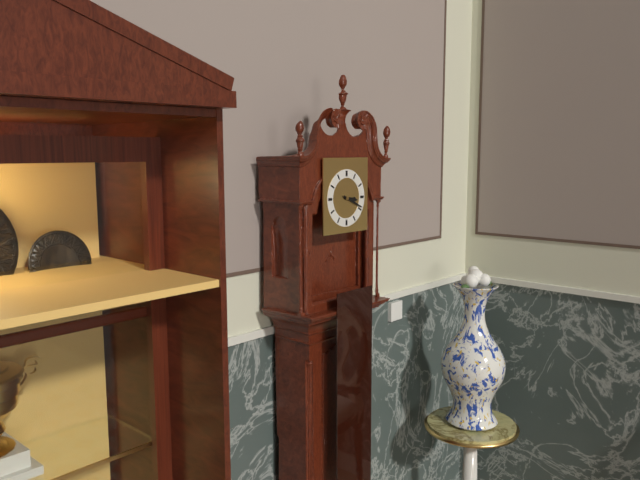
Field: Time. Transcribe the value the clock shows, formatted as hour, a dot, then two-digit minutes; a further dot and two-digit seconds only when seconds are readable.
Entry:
3.19
